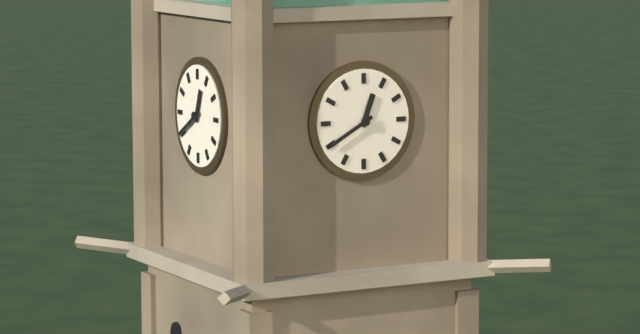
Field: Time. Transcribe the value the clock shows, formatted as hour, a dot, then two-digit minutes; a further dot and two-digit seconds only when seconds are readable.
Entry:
12.40
